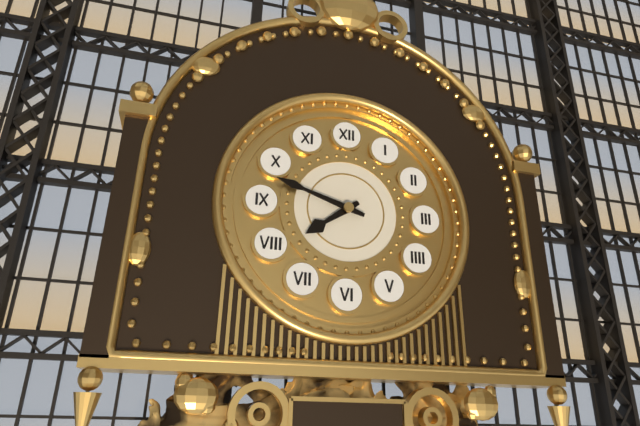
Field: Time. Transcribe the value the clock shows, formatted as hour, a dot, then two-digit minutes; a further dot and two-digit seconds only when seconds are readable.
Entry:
7.48
